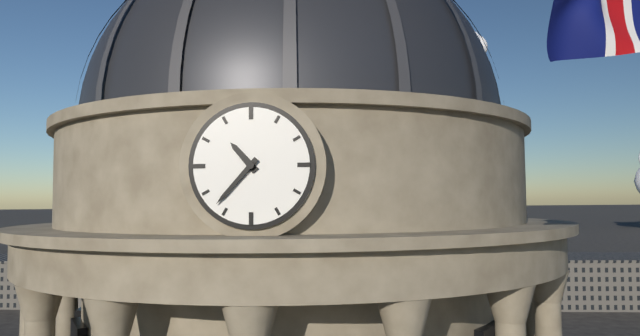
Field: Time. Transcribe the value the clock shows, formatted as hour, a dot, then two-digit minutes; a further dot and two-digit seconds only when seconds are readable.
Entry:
10.37
